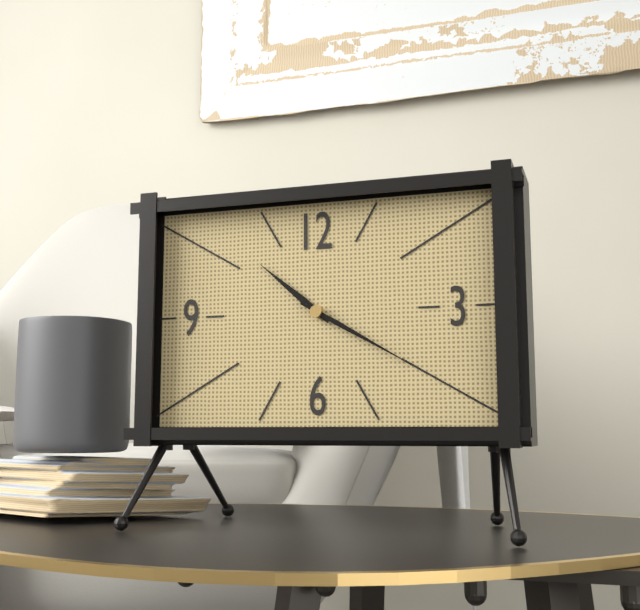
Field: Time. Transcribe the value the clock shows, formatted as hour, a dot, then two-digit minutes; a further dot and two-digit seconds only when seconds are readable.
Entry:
10.20
